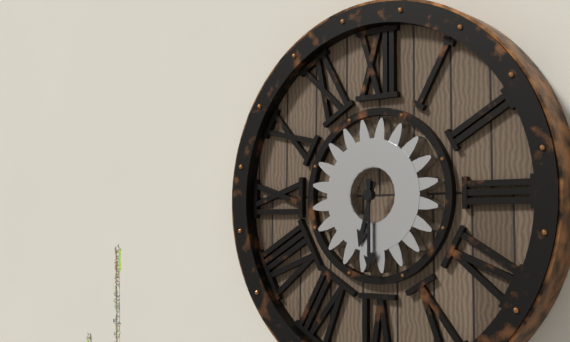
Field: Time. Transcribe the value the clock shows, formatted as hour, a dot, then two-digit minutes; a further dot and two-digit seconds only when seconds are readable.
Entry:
6.30
